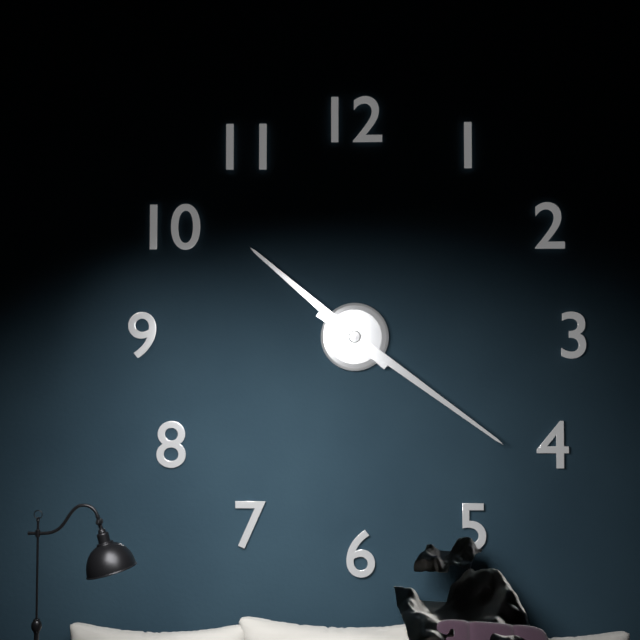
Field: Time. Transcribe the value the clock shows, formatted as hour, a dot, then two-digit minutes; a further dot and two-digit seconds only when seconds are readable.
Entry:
10.21
